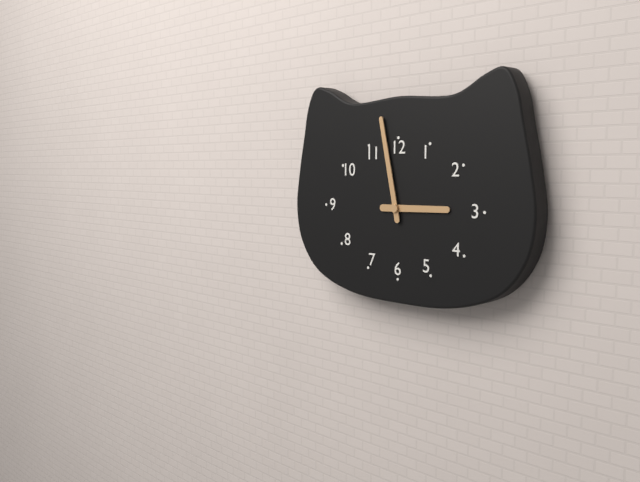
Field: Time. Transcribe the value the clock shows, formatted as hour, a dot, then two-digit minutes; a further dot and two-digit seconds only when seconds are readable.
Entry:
2.58
